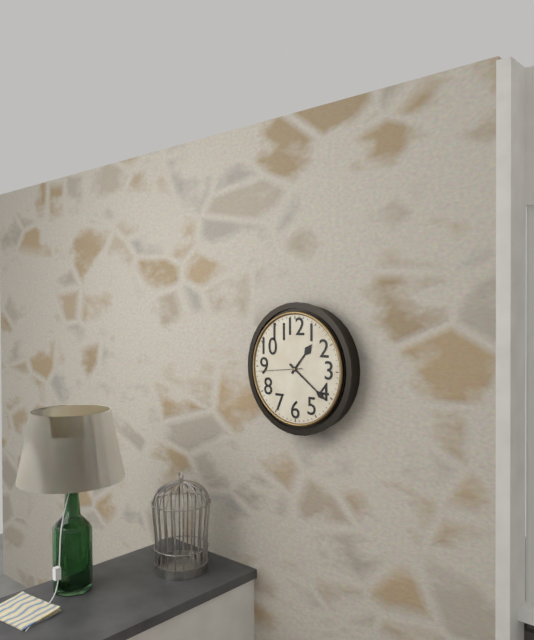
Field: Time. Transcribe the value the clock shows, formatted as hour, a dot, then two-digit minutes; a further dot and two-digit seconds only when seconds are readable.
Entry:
1.21
